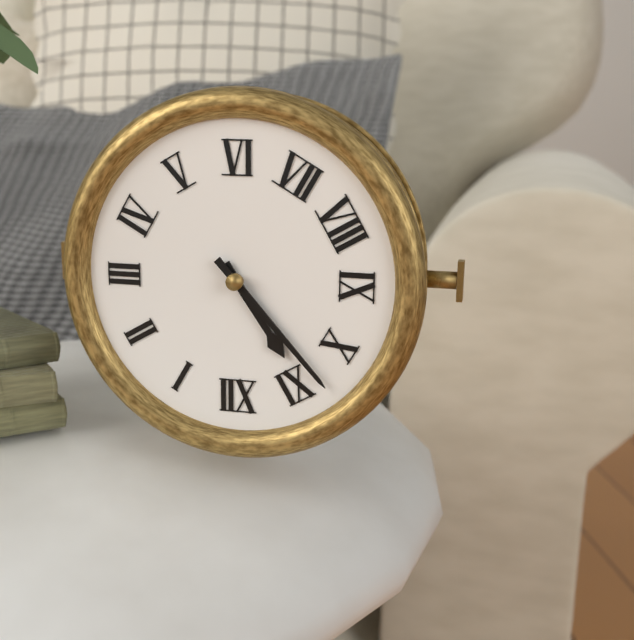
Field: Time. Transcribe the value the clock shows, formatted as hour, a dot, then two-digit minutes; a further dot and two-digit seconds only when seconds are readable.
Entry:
10.53
